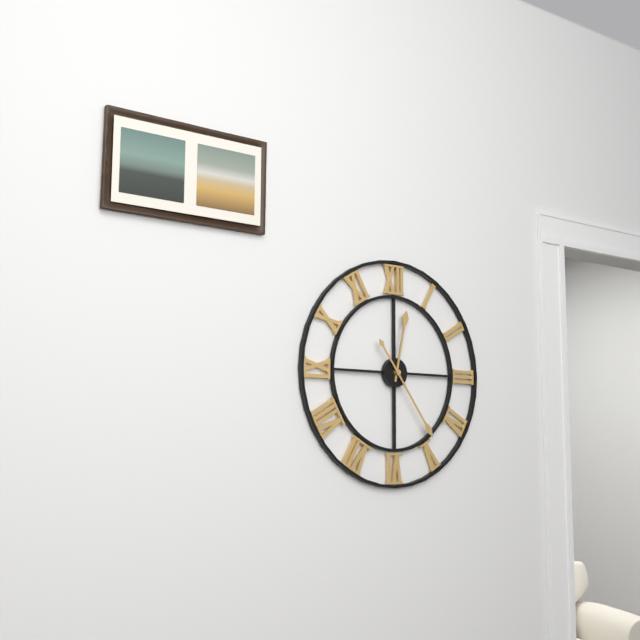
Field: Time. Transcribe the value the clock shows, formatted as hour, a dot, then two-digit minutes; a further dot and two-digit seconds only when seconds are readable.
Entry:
12.24
